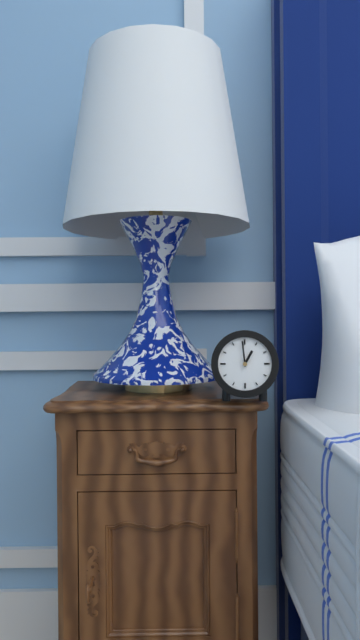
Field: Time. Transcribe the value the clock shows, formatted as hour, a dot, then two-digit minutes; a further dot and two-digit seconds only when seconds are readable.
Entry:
12.59
